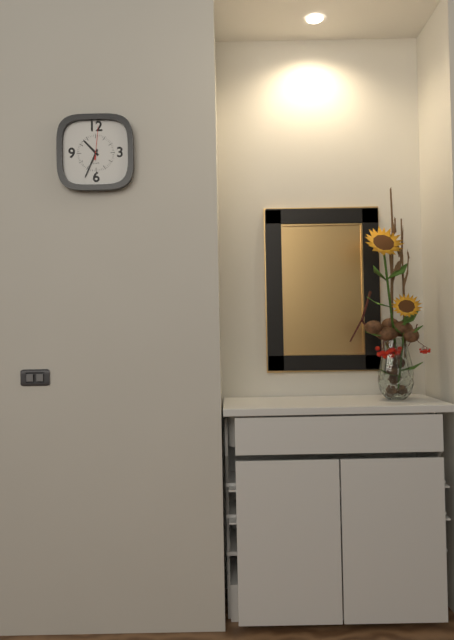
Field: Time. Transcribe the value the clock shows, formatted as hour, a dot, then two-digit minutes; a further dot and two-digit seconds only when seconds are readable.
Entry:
10.34
